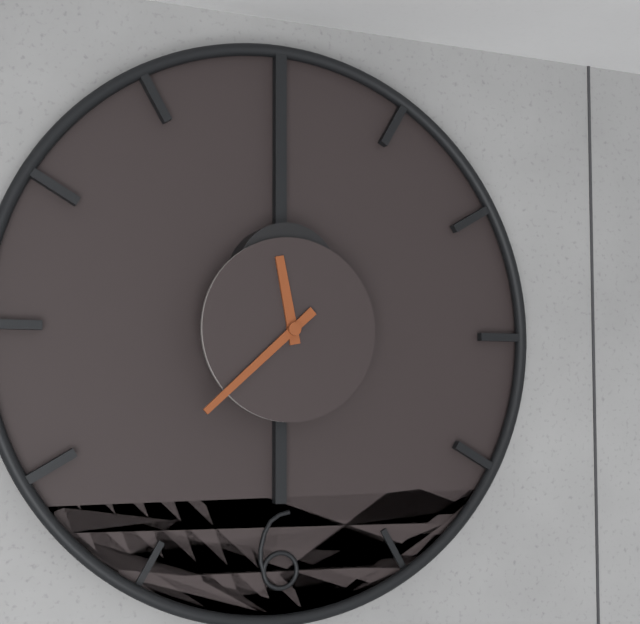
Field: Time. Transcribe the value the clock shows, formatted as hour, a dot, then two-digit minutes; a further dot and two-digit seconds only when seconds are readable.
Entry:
11.38
